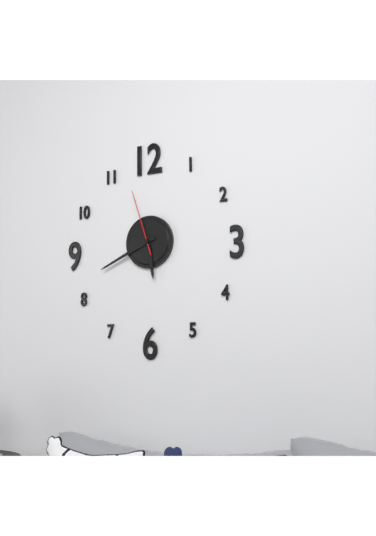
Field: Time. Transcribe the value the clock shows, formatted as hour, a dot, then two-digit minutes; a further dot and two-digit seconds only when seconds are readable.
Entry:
5.41.57
